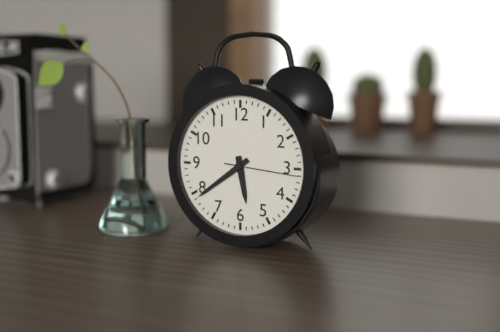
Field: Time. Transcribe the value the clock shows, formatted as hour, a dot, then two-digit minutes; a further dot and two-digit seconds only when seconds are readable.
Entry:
5.39.16
